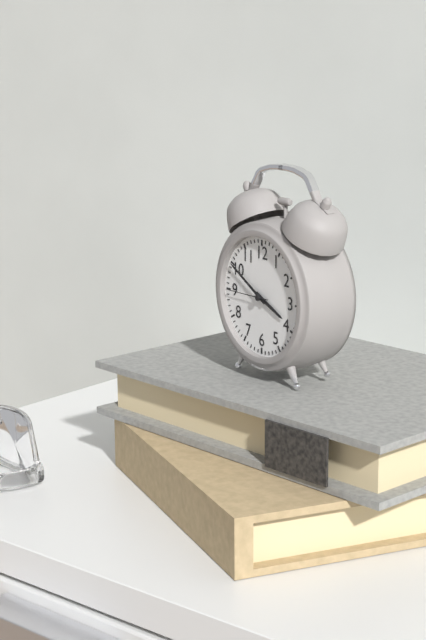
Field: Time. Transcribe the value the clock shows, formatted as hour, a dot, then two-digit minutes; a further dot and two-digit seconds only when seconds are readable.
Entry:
3.50
